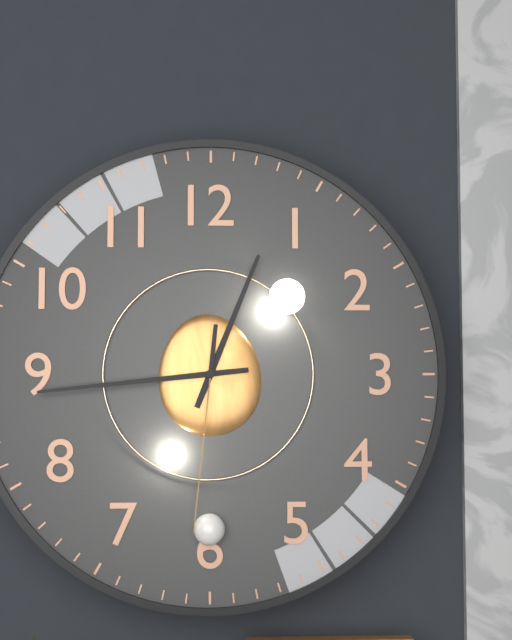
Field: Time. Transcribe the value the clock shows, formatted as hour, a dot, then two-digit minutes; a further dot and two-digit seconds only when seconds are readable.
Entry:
12.44.31
